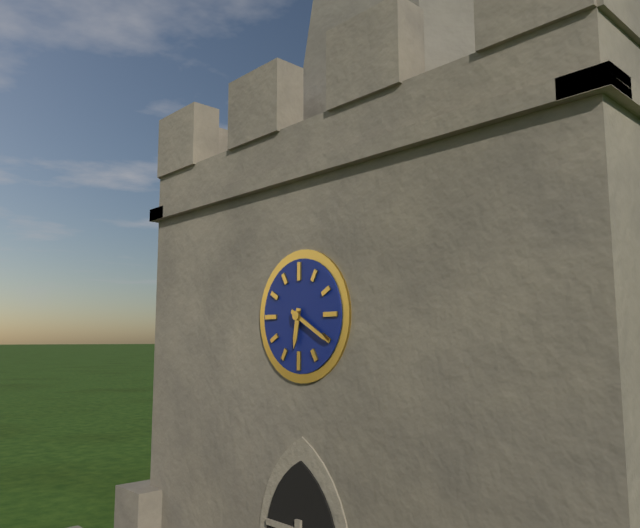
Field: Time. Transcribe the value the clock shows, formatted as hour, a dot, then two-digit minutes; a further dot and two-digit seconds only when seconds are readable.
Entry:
6.20
